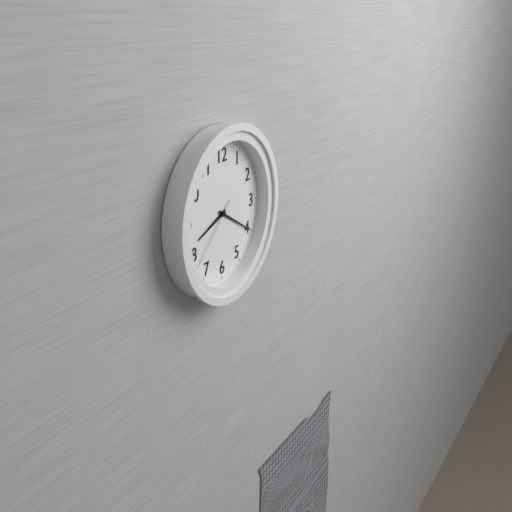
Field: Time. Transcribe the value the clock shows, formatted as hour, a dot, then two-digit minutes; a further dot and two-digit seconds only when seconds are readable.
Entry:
8.20.38
